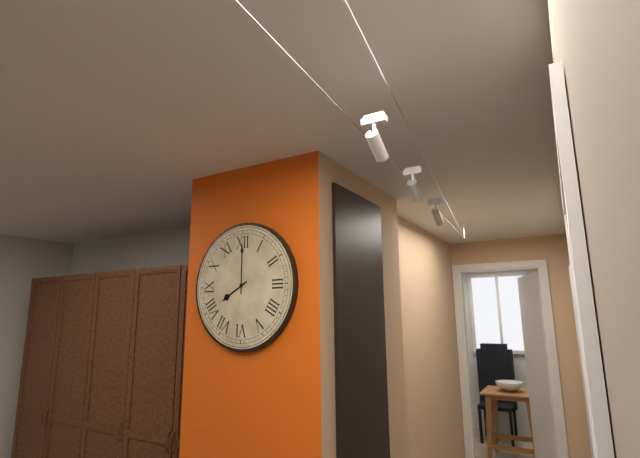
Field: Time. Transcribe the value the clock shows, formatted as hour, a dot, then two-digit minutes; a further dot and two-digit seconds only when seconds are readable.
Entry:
8.00
